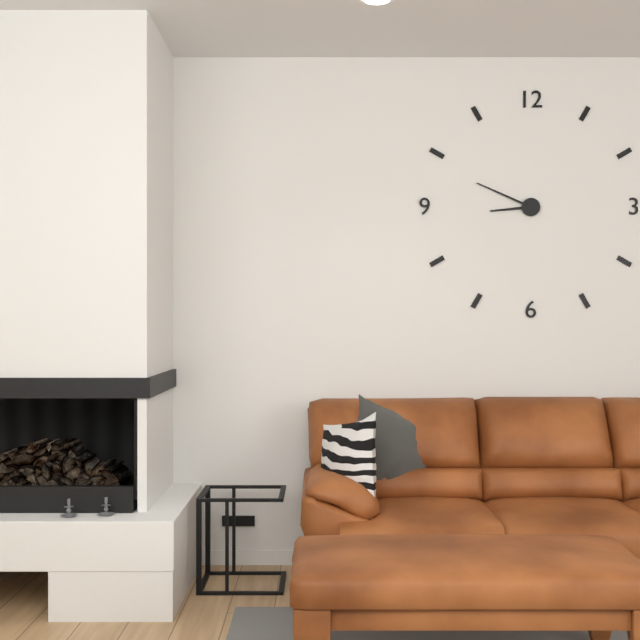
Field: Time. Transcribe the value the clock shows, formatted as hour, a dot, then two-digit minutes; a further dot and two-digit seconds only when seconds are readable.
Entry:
8.49
